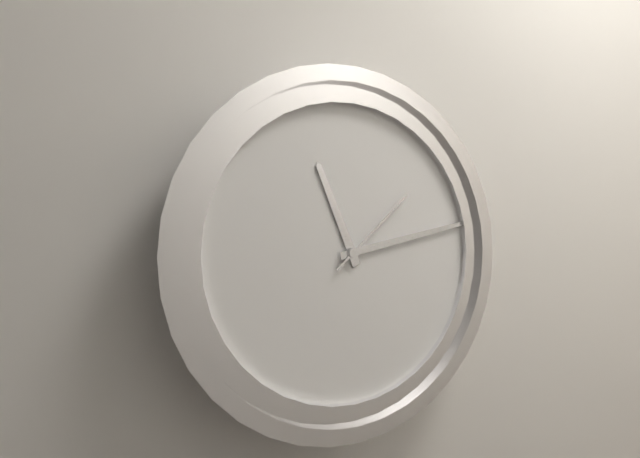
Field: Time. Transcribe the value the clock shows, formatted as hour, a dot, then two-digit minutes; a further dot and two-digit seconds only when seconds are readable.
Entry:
11.13.08
